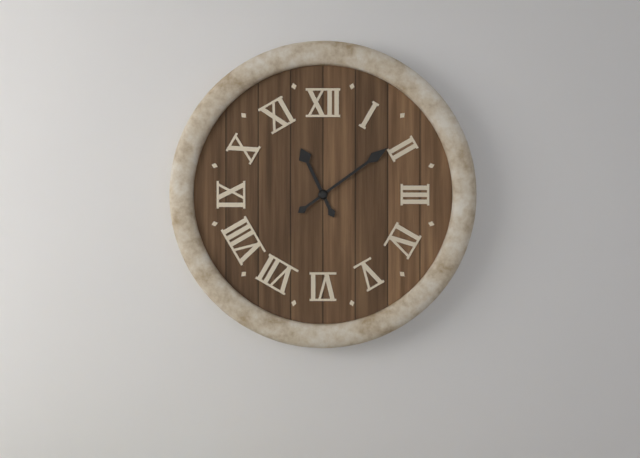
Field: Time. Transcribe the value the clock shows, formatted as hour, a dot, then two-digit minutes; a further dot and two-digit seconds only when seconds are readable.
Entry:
11.09
